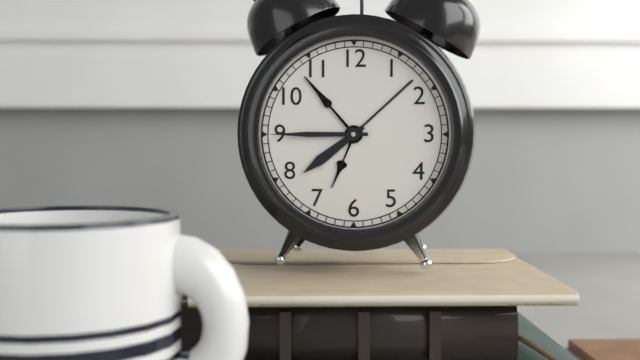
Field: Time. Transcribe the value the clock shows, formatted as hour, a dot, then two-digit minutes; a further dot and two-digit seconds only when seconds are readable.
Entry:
7.45
